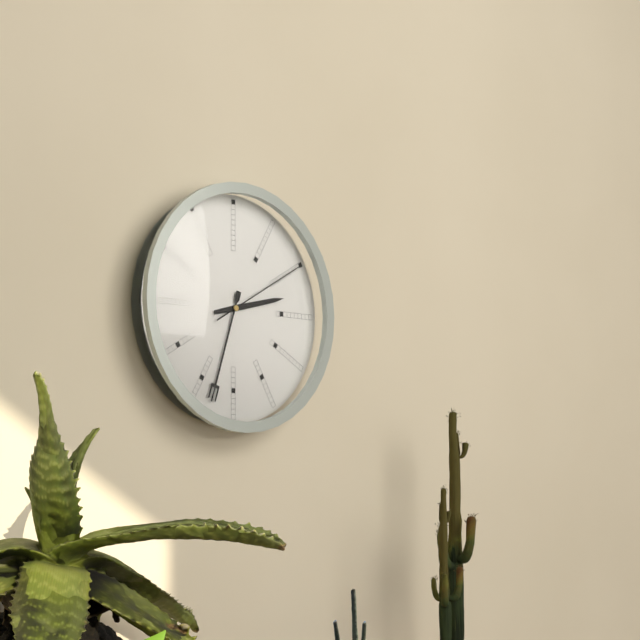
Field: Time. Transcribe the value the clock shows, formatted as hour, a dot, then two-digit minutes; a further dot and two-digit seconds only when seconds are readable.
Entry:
2.33.10
